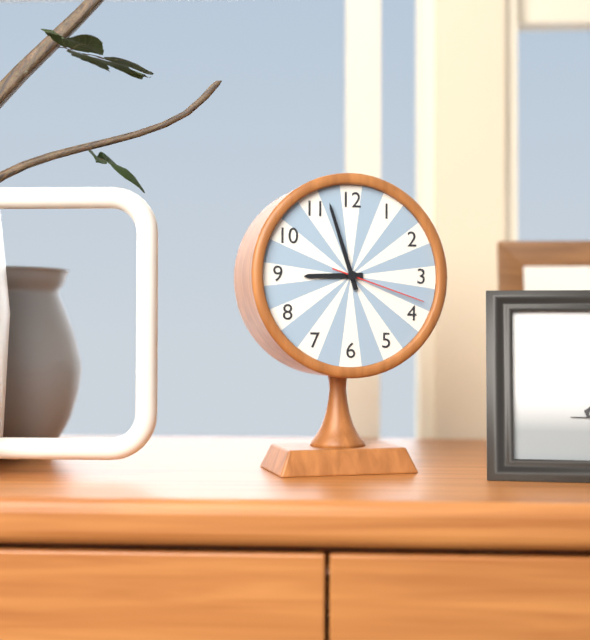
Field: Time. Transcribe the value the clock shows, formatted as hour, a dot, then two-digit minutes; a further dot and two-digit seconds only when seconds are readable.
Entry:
8.57.18
